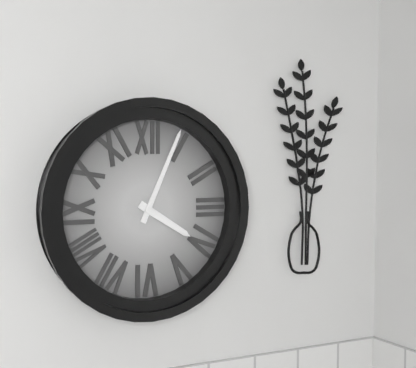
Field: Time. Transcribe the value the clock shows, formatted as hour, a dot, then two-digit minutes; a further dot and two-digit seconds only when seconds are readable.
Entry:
4.04
